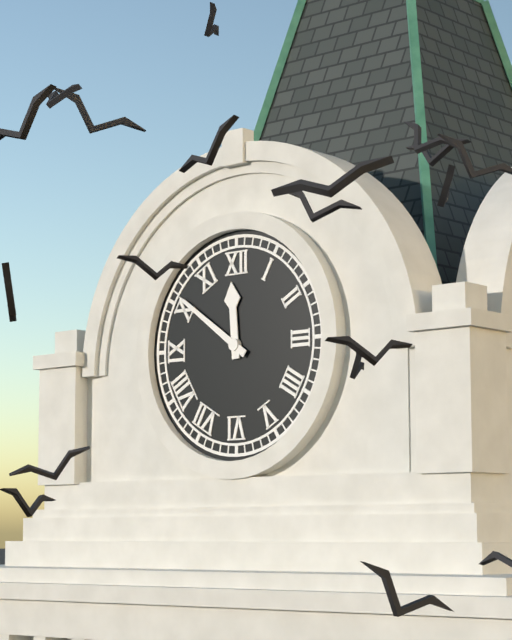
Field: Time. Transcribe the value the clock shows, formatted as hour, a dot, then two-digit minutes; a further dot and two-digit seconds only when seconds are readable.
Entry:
11.51
